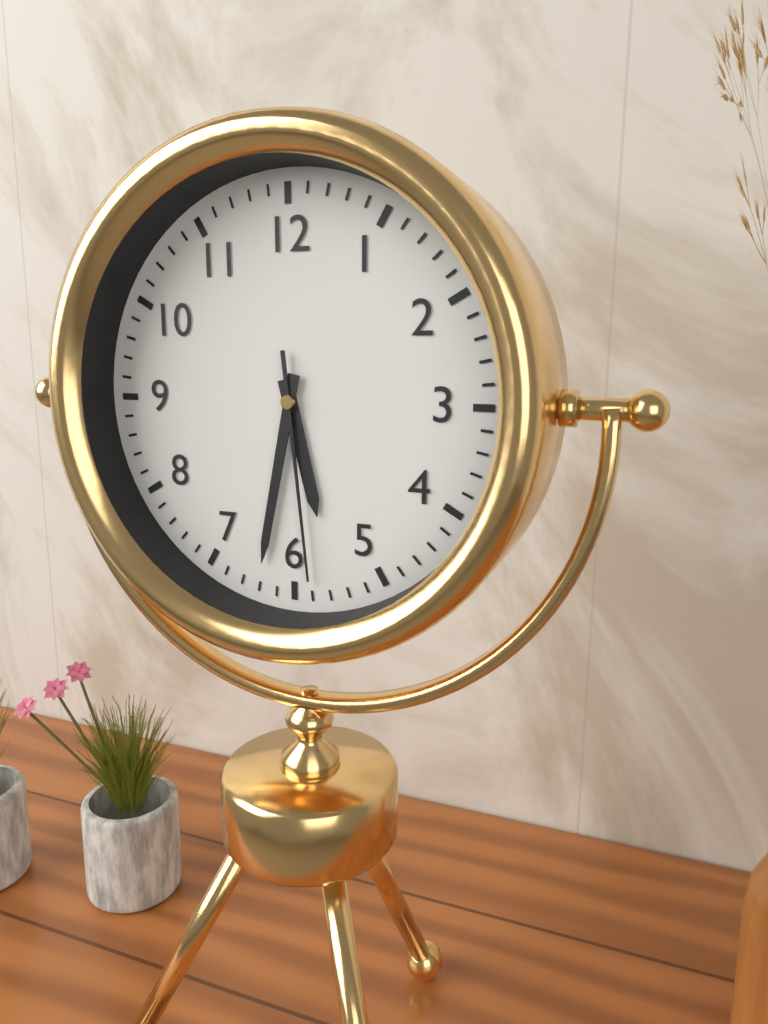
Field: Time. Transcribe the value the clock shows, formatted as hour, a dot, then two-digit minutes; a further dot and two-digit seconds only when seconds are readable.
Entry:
5.32.29
